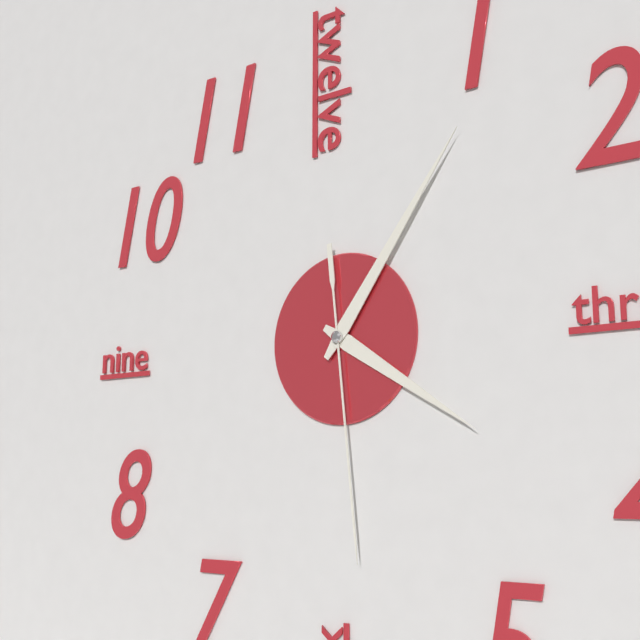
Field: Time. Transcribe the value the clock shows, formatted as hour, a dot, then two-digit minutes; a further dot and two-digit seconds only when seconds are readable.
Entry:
4.06.29
